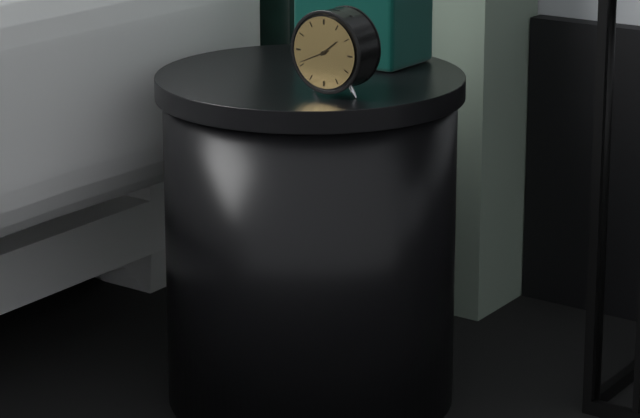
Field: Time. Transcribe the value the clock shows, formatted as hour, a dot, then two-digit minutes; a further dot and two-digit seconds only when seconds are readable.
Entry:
1.41
